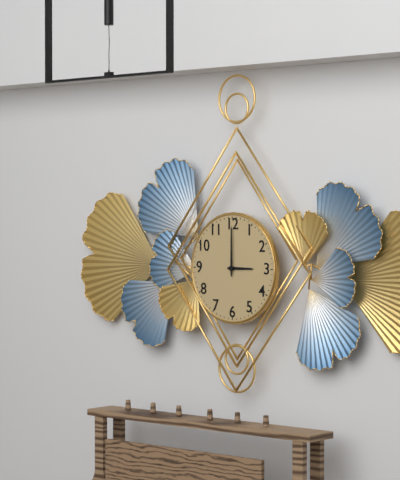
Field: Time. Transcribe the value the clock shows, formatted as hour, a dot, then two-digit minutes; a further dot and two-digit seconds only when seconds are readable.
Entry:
3.00
